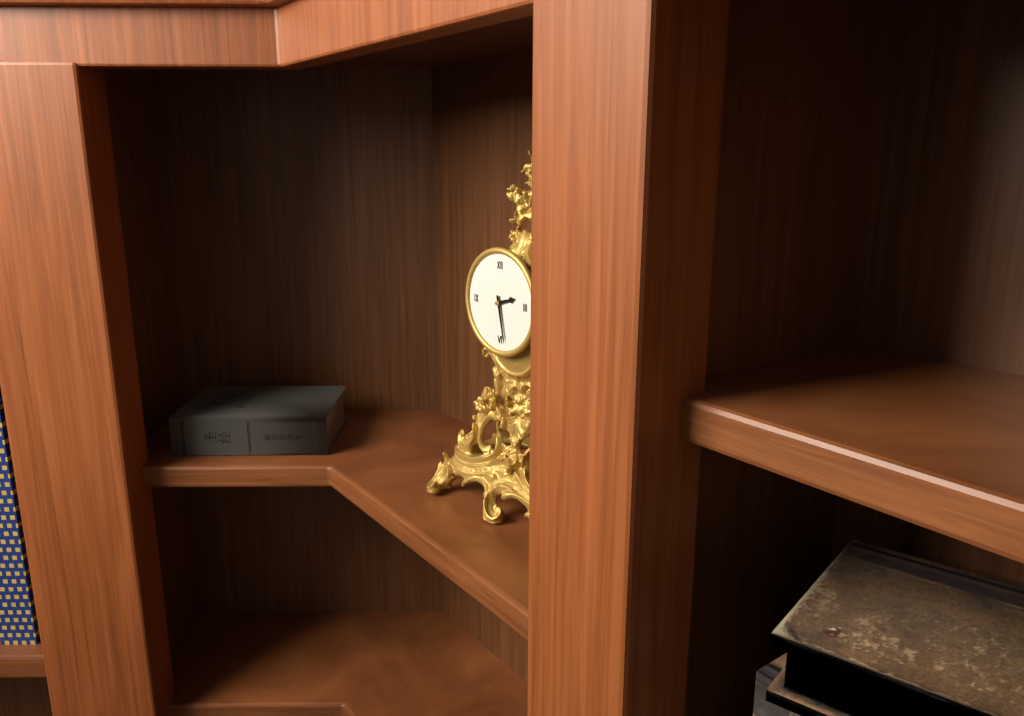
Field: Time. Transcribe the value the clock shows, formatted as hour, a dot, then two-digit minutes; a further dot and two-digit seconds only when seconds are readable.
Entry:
2.28
